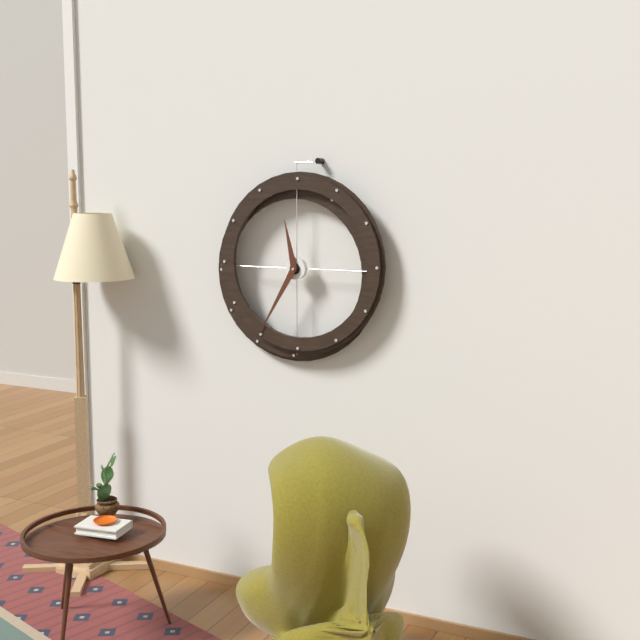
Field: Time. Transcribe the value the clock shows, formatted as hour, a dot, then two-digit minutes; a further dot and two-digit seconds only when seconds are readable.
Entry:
11.35
